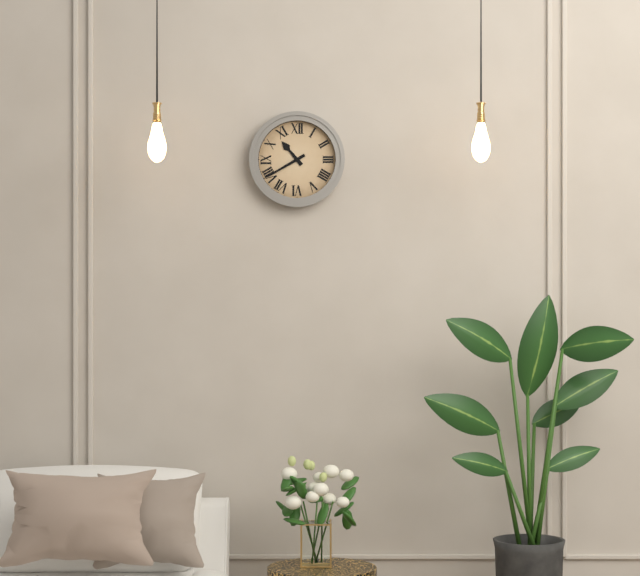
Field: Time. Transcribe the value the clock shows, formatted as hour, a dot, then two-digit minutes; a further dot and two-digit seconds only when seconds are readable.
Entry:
10.40
